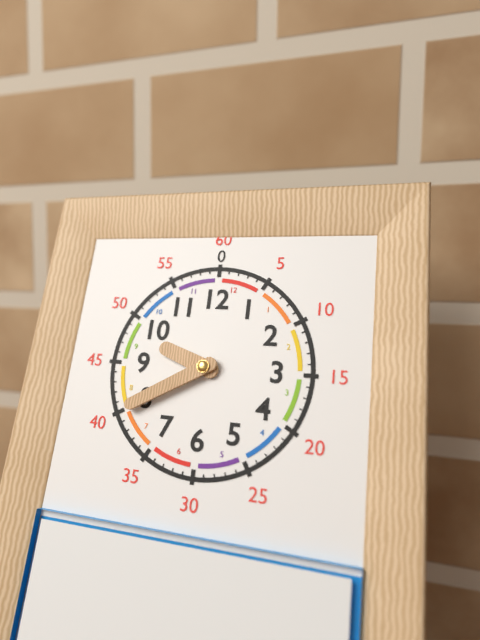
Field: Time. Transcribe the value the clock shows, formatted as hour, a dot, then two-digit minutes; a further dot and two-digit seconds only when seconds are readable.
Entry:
9.40
